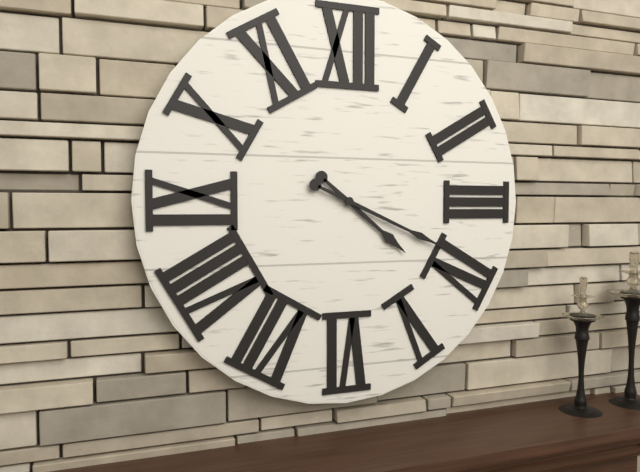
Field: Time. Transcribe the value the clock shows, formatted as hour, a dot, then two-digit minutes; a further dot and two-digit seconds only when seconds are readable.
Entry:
4.19
